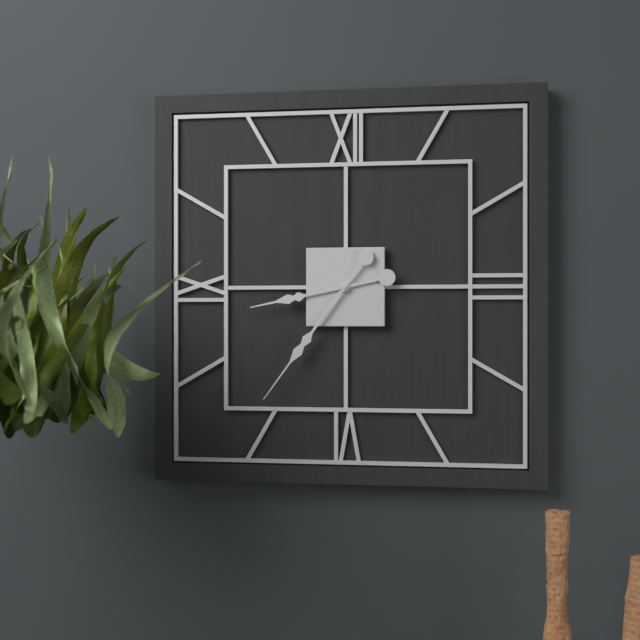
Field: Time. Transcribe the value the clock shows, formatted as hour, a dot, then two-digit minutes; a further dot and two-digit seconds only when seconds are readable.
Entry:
8.36
